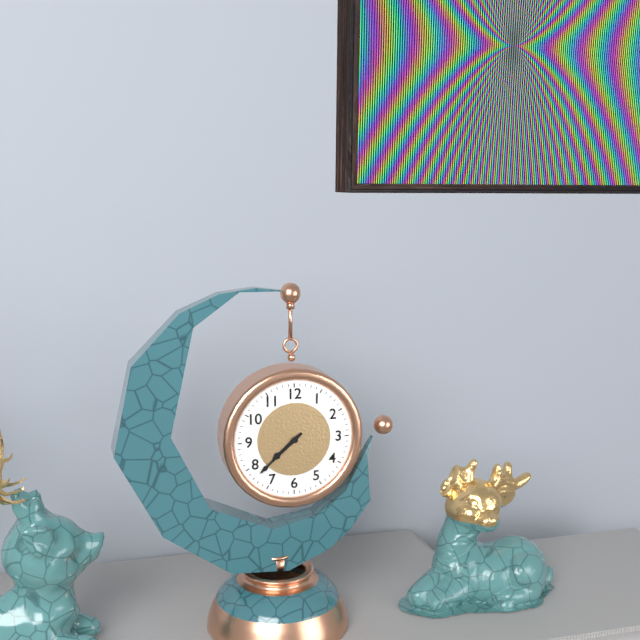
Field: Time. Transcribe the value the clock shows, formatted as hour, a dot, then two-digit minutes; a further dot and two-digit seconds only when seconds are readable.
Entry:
7.38
